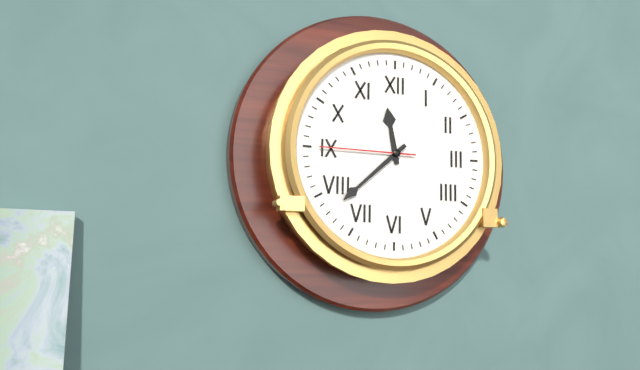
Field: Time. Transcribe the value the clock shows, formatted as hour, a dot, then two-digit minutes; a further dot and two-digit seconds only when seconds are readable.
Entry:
11.38.45
